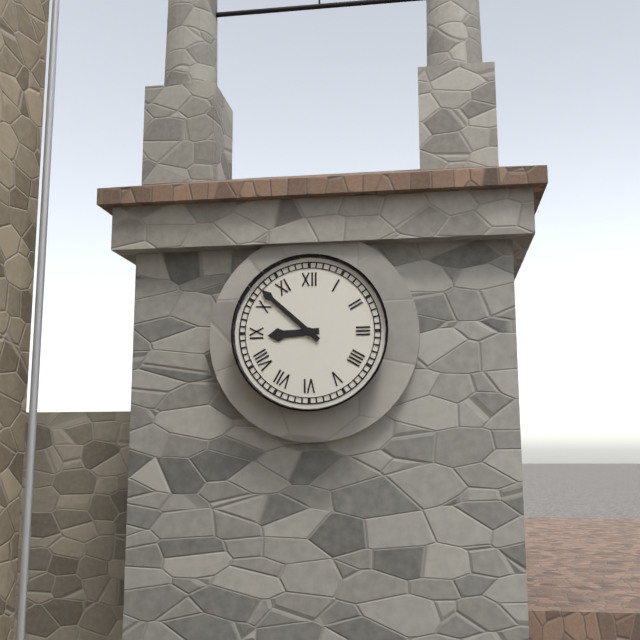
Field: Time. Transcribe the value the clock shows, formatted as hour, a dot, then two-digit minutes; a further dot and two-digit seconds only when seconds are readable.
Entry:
8.52
